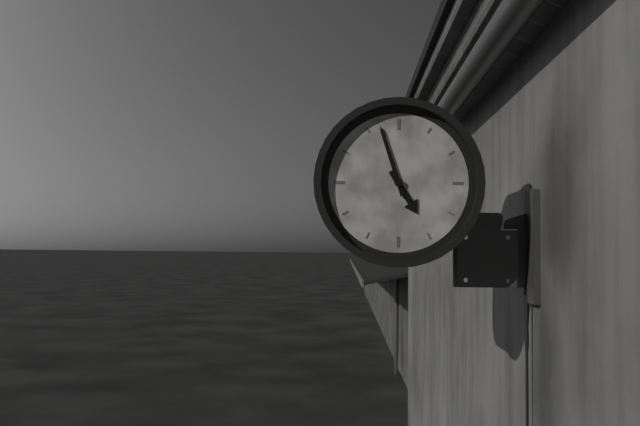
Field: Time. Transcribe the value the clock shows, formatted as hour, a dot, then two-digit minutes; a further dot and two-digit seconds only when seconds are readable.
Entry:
4.57
